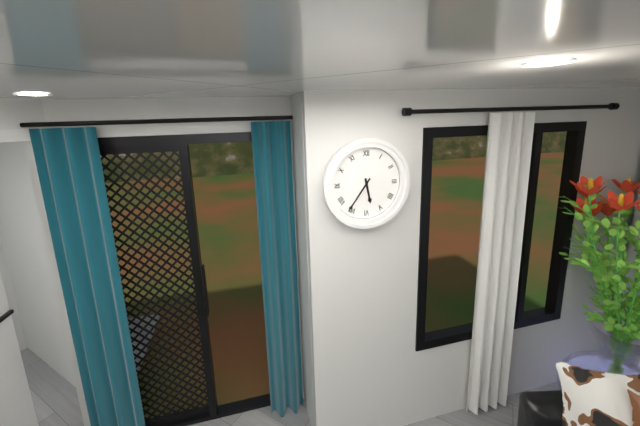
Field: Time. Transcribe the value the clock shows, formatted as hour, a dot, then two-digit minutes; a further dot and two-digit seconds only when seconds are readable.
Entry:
5.36
